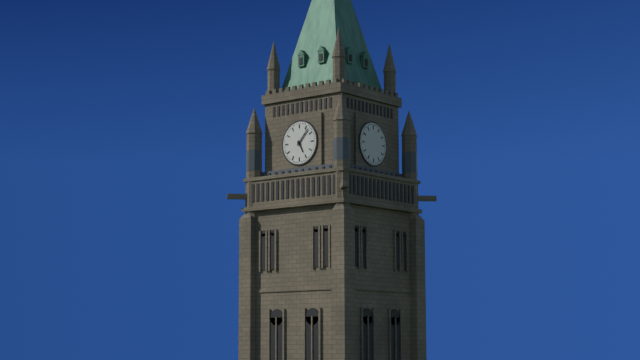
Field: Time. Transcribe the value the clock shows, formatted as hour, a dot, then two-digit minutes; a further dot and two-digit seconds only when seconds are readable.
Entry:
5.07
